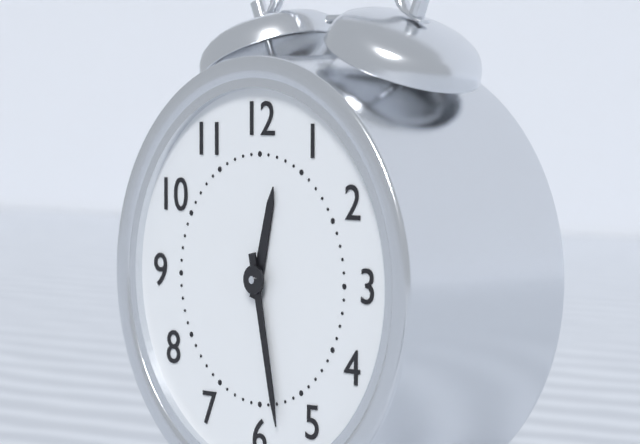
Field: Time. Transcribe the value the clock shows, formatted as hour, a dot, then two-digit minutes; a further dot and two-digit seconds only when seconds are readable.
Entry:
12.28
